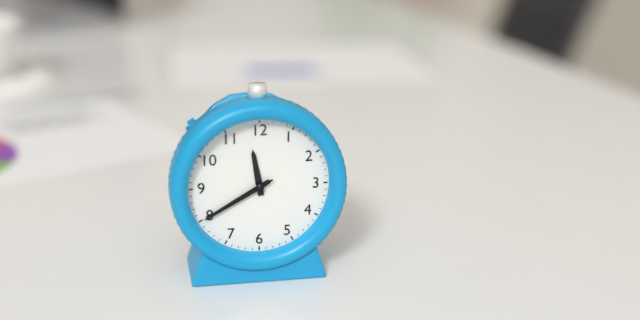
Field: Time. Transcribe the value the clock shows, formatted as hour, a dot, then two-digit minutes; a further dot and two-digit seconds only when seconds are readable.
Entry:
11.40.40
